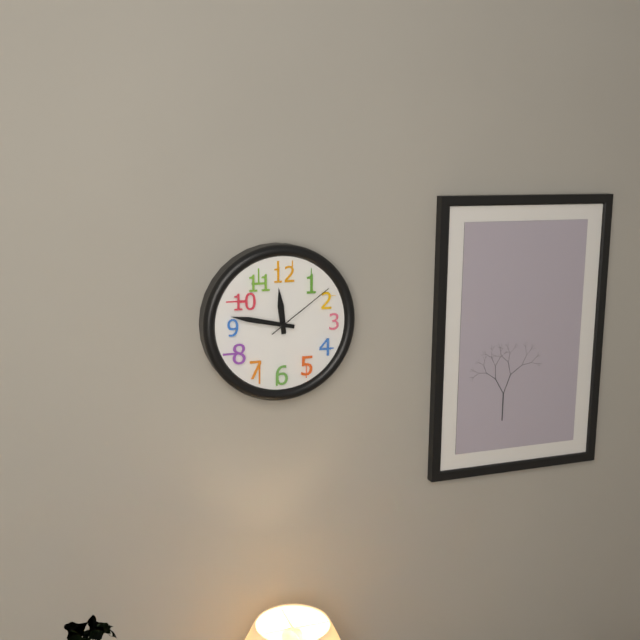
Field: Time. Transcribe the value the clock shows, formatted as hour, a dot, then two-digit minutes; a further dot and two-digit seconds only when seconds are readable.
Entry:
11.47.09
